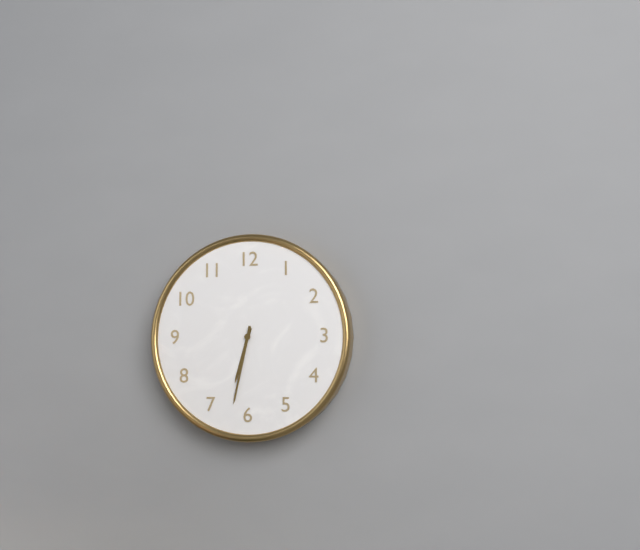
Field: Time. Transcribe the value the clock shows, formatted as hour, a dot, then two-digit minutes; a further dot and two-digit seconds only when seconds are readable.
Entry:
6.32
